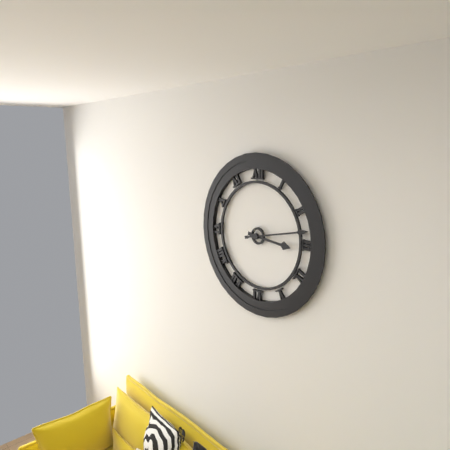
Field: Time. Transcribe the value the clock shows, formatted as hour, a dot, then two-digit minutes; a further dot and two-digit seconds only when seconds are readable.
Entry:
3.13
